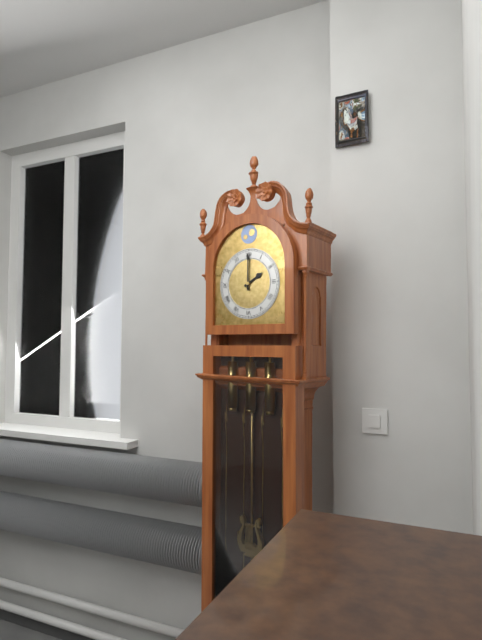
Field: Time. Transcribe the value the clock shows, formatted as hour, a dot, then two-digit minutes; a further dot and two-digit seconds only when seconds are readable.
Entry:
2.00
